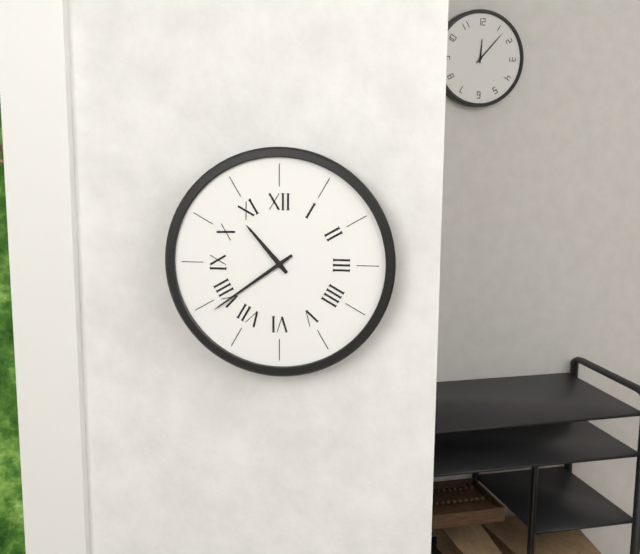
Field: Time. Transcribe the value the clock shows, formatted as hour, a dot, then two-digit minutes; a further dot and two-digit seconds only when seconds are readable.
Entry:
10.39
